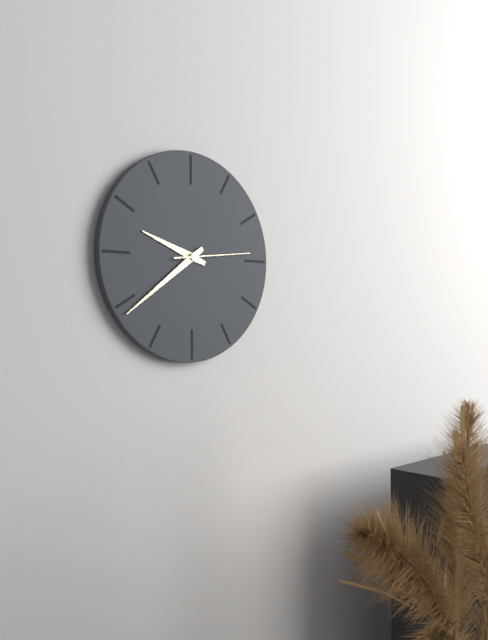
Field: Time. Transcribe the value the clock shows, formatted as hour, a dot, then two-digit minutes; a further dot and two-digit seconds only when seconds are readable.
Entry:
9.39.14
